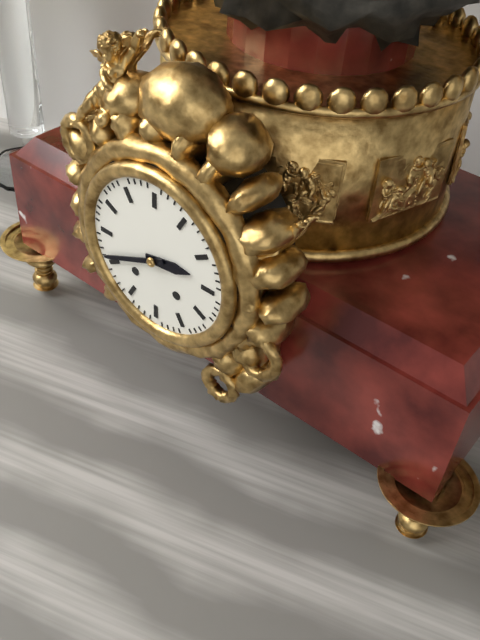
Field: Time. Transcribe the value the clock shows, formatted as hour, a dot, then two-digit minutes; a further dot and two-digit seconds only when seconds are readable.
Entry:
2.41
